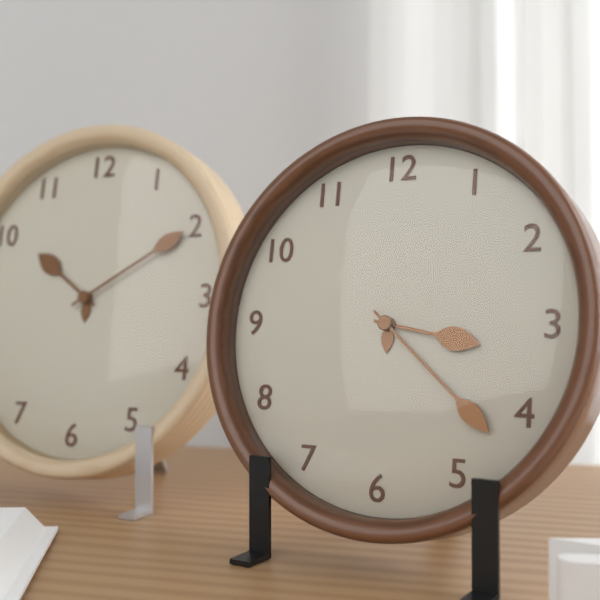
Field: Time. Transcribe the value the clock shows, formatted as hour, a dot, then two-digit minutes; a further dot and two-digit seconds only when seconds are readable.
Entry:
3.22
